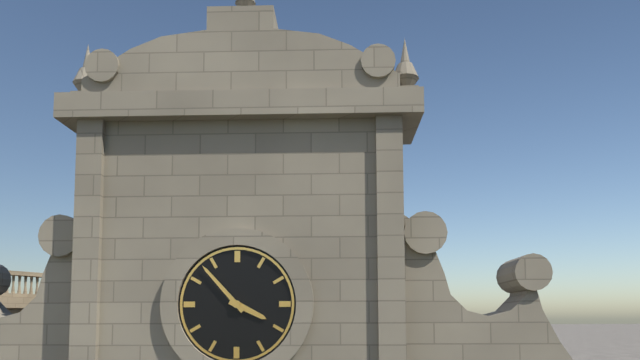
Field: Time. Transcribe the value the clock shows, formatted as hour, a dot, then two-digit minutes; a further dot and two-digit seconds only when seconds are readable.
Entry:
3.53
